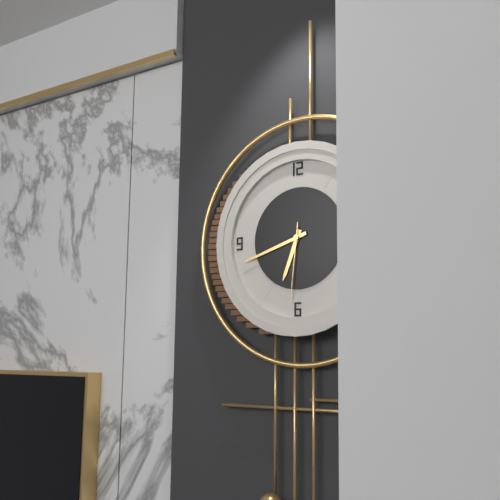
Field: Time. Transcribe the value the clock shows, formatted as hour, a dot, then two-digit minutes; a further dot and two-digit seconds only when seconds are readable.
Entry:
6.42.31
